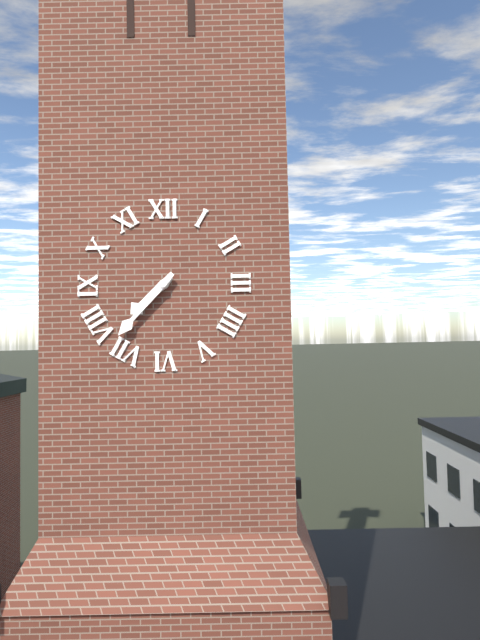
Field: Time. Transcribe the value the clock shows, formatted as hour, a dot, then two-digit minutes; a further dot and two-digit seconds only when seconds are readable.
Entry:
7.37
